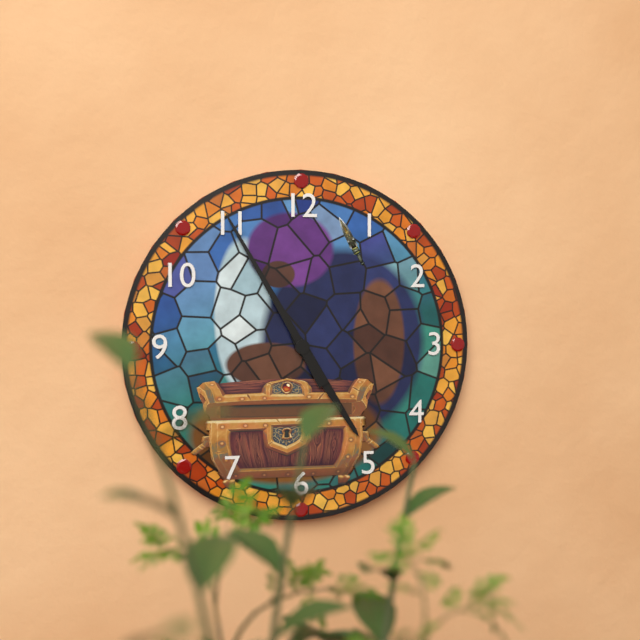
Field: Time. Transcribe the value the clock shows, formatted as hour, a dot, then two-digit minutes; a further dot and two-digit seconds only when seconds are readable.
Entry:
4.55
